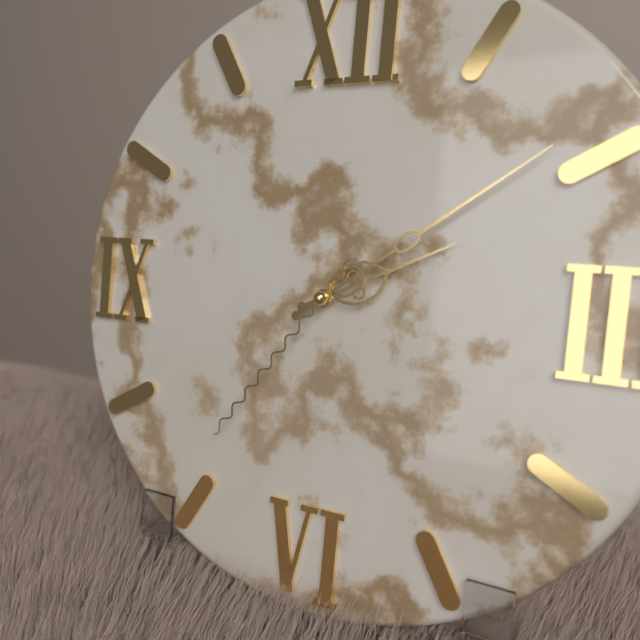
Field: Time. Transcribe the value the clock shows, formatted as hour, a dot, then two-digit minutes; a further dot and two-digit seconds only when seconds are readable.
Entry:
2.09.36
